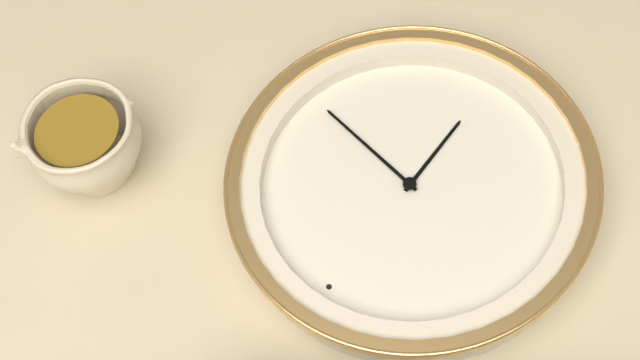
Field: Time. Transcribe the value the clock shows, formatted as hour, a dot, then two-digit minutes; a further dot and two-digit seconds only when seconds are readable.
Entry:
5.13
